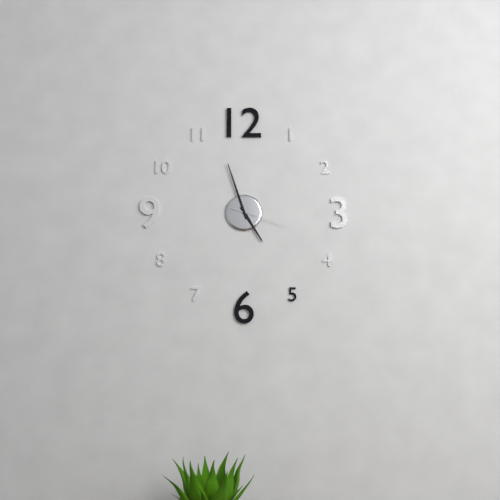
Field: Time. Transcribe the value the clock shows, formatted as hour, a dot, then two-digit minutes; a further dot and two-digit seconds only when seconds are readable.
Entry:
4.57.18
